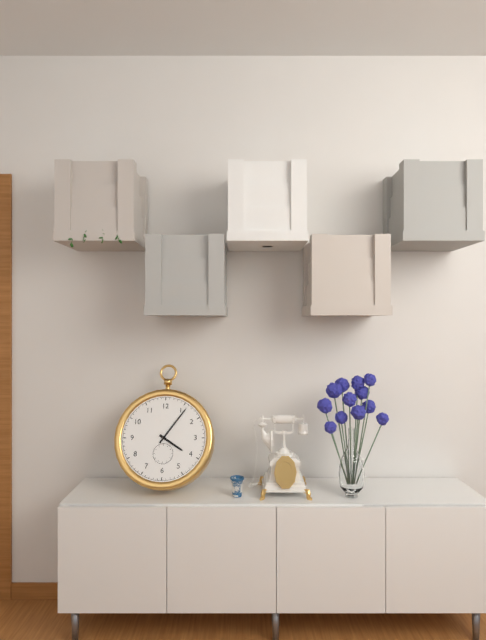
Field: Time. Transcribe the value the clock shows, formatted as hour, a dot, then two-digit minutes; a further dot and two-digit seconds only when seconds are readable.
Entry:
4.06
